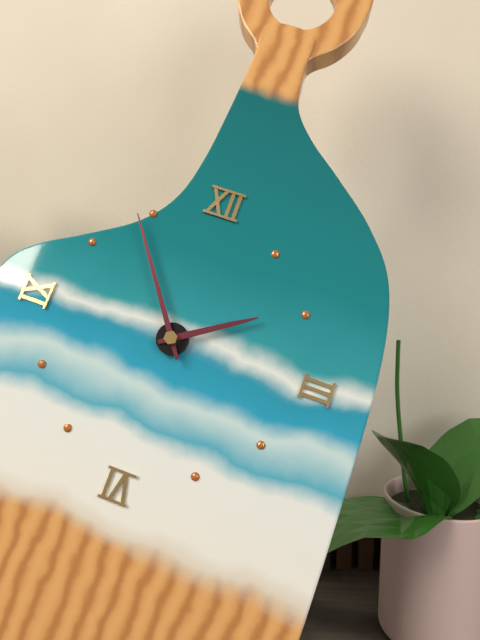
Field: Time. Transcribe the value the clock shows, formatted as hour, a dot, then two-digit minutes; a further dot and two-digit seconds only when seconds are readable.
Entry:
1.54
